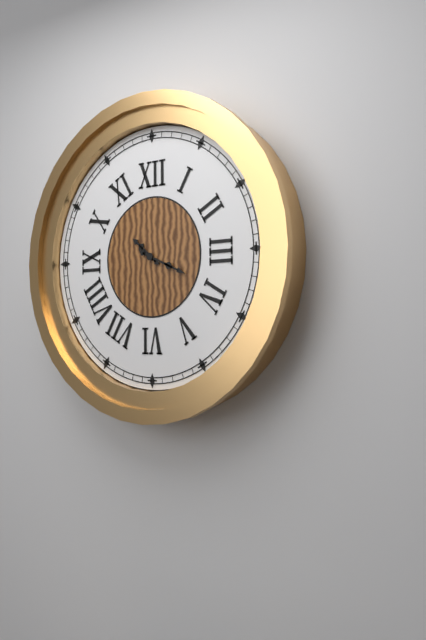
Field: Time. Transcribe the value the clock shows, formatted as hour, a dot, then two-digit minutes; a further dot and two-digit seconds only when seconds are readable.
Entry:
10.19
